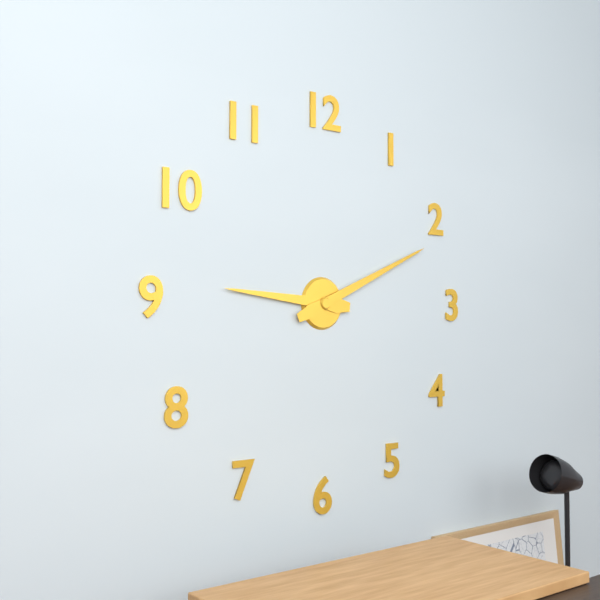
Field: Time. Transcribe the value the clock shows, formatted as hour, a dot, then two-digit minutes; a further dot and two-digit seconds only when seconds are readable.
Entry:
9.11
